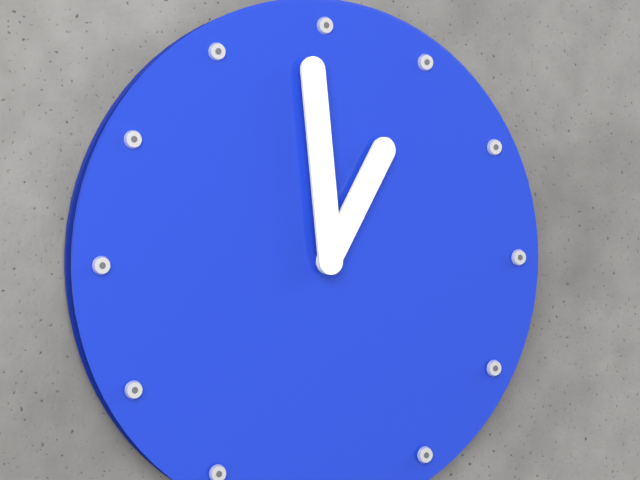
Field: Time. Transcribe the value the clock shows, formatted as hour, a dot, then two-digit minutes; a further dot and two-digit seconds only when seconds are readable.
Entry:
12.59
